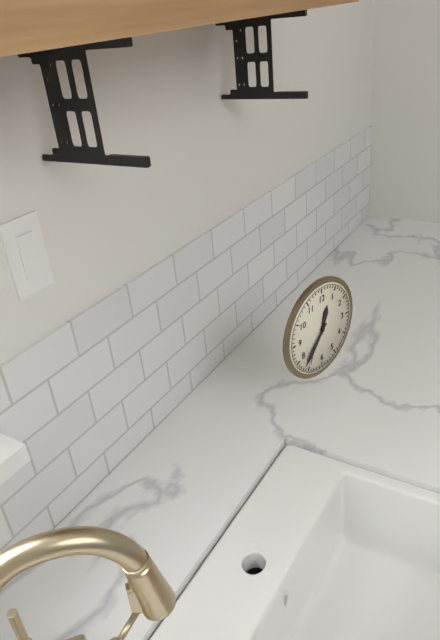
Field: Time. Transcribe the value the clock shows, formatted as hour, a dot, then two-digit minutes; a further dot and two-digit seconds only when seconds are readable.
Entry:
12.37
